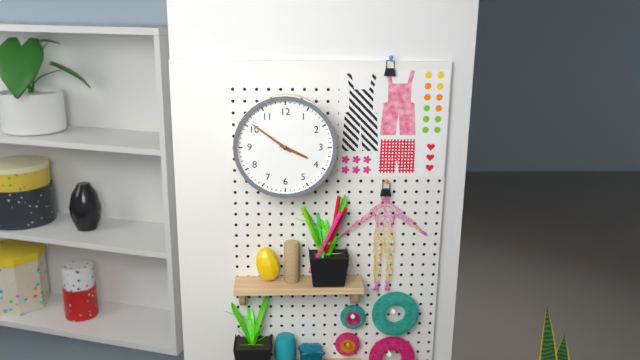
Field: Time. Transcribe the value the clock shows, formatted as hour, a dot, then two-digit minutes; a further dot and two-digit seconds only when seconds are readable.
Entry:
3.51
